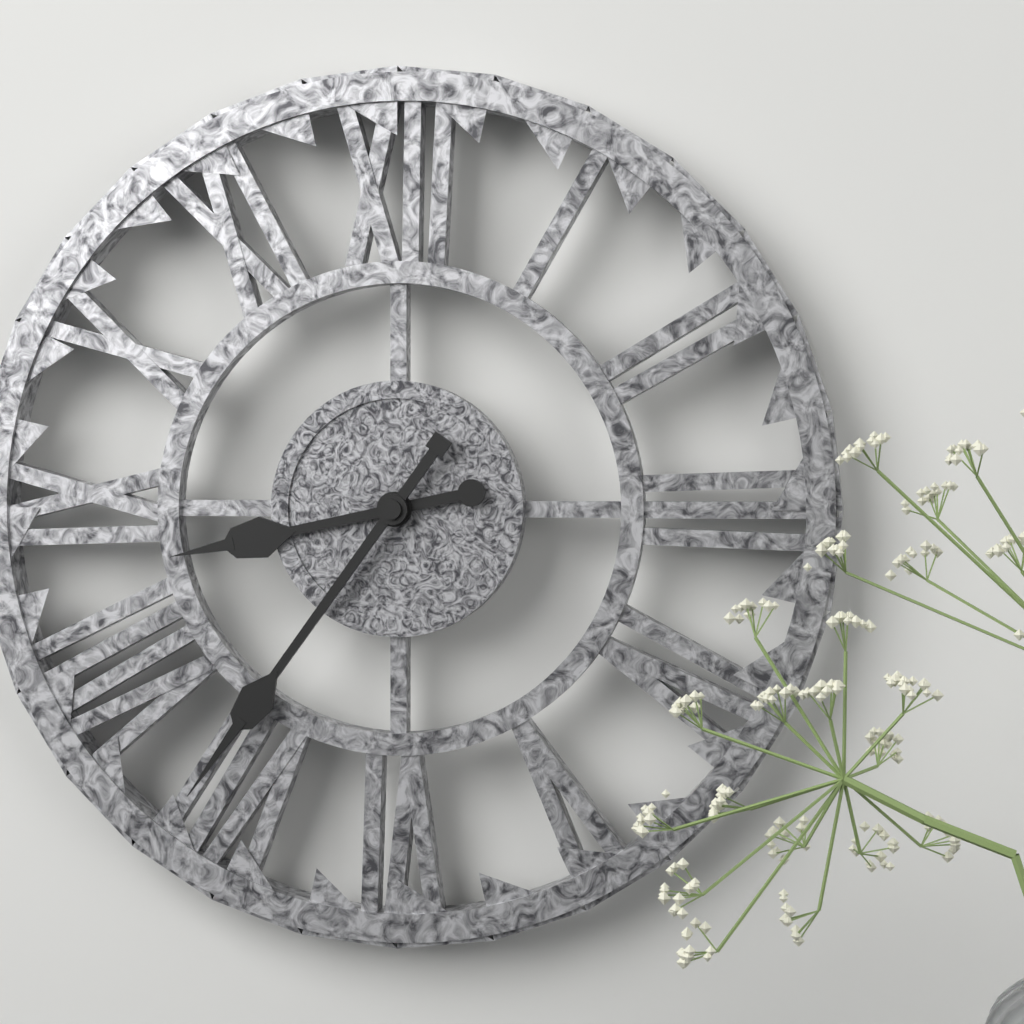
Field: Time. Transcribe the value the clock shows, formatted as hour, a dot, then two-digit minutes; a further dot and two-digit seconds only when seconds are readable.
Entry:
8.36
